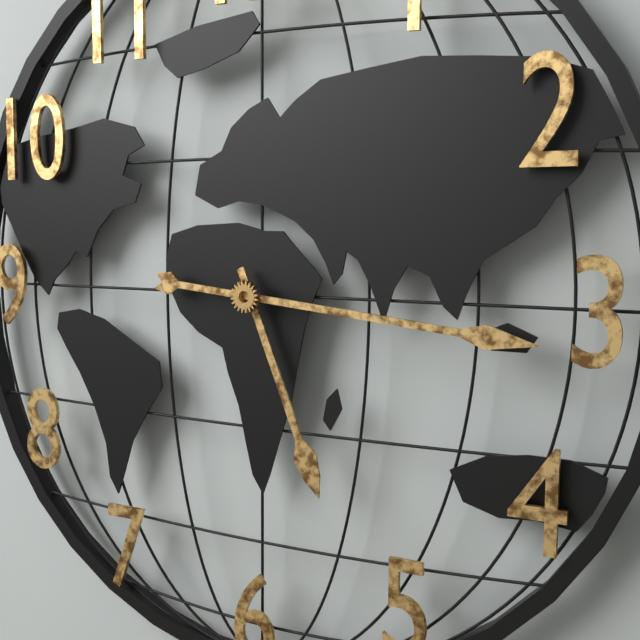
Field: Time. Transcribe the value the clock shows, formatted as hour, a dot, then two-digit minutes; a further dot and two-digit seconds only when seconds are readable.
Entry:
5.16
